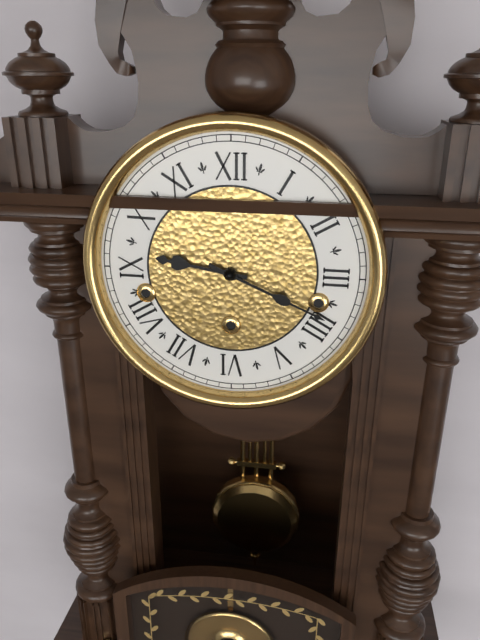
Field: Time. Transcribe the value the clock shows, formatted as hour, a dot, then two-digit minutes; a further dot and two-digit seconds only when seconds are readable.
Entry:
9.19
